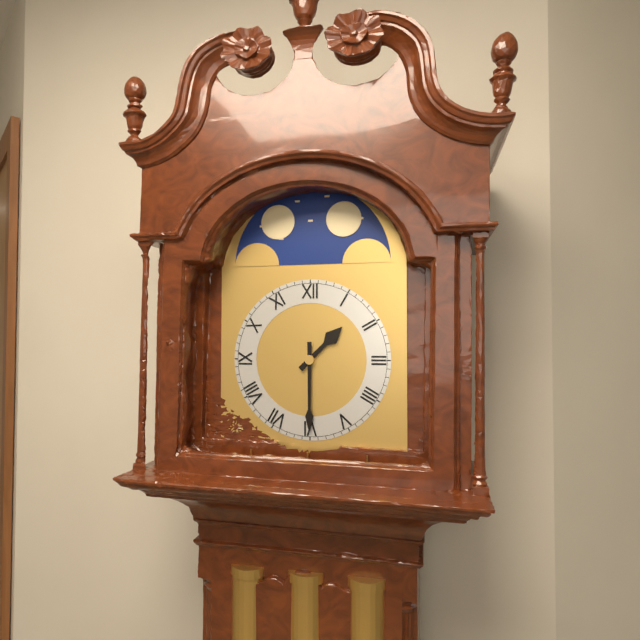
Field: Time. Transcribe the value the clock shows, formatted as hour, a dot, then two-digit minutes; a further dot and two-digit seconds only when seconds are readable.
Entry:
1.30
